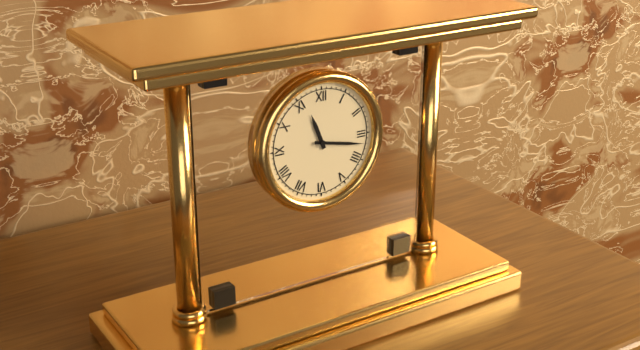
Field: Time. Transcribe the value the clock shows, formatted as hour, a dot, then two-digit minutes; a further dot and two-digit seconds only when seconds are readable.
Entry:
11.17
